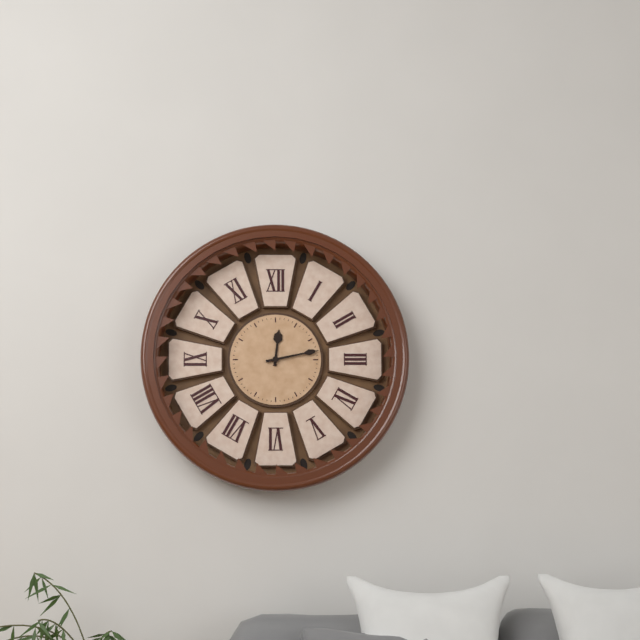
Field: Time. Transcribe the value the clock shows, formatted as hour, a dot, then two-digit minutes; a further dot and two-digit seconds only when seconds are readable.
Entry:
12.13
